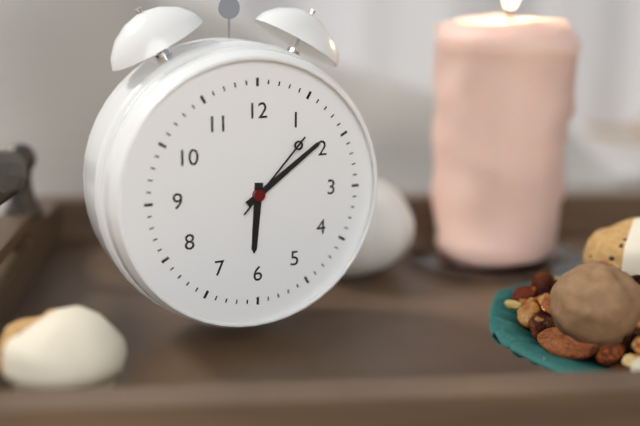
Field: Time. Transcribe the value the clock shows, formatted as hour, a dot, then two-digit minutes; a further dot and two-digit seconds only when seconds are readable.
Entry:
6.09.07
